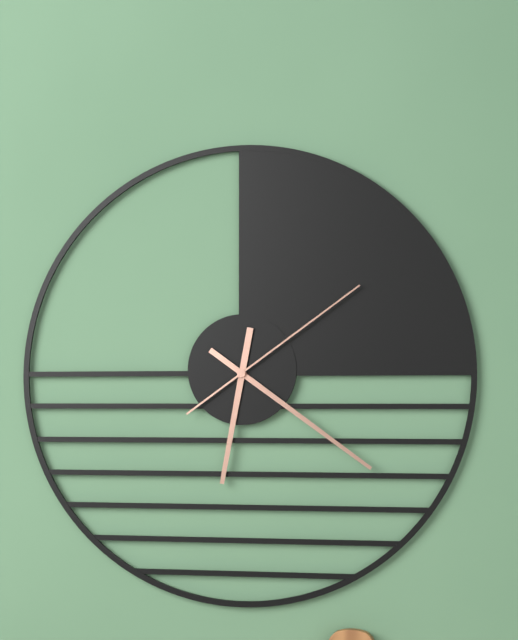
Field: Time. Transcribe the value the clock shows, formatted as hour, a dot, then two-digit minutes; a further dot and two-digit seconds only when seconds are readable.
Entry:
6.21.09
